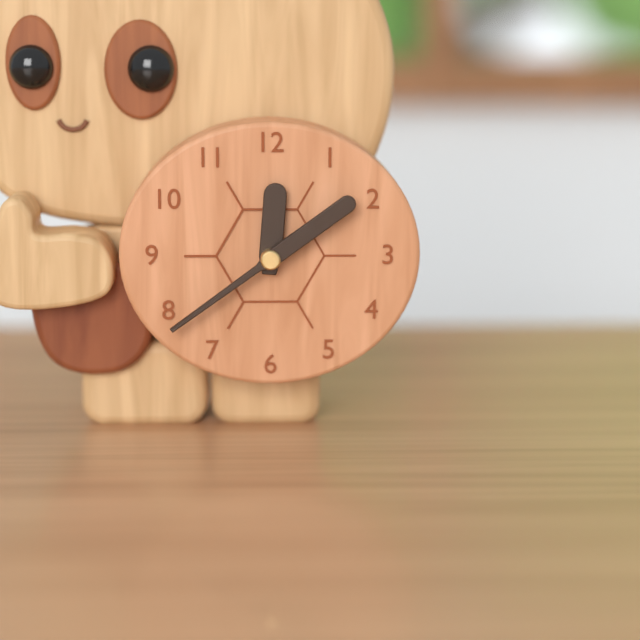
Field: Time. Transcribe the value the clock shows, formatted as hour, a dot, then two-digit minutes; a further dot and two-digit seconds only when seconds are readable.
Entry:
12.09
